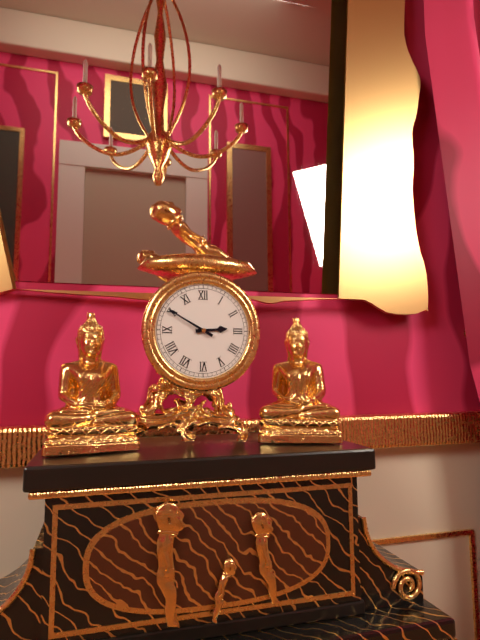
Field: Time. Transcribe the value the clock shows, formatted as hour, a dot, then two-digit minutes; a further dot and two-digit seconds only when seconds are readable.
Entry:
2.50
